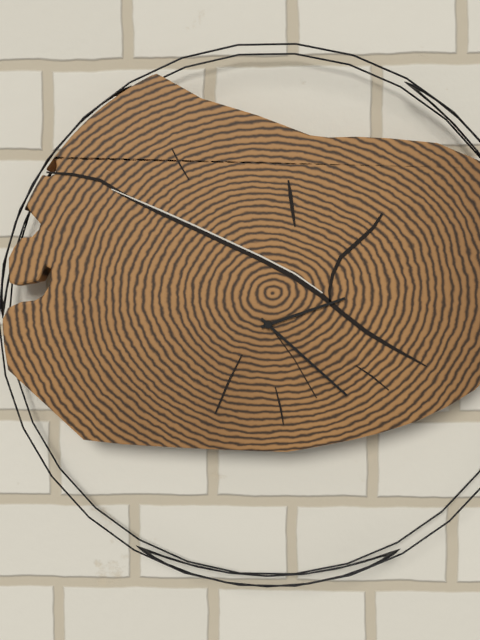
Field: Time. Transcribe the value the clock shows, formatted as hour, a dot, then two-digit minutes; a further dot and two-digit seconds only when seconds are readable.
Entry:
2.22
